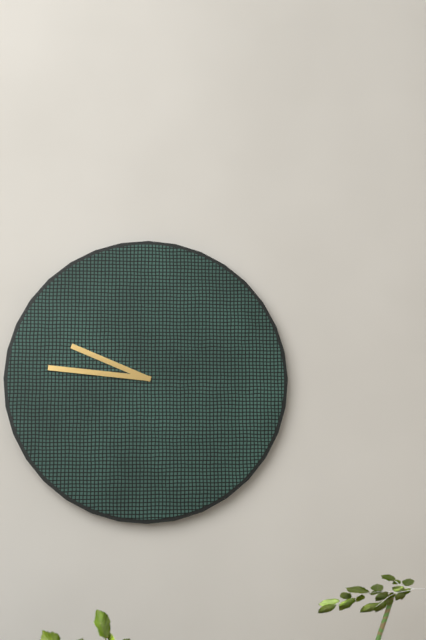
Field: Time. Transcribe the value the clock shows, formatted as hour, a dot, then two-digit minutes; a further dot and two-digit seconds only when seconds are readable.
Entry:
9.46
